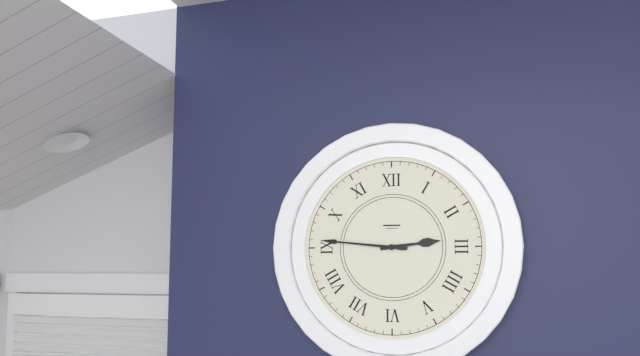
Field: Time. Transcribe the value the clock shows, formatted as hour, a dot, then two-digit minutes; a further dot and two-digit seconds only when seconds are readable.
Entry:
2.46
